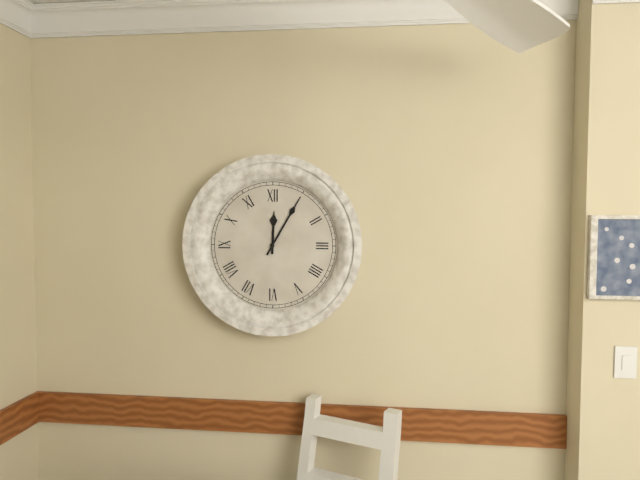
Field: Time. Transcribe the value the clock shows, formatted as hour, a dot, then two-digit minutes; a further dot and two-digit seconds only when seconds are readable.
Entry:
12.05
